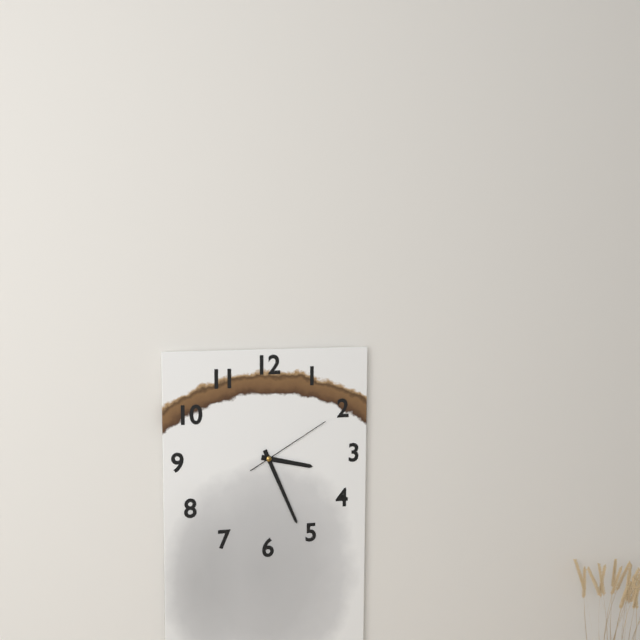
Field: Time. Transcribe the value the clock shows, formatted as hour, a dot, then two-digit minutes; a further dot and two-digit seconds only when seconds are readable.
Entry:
3.26.10
